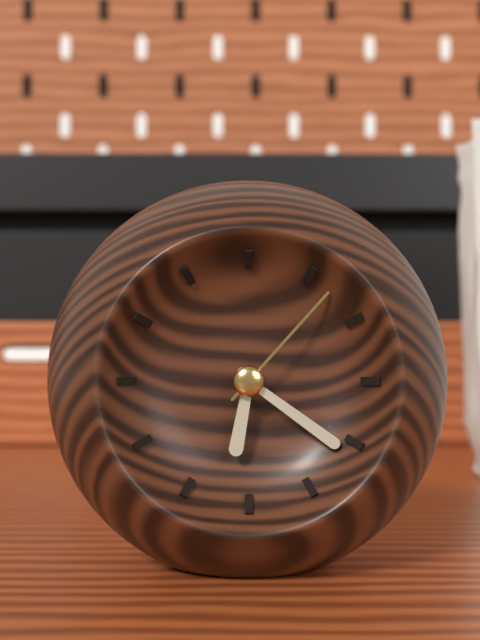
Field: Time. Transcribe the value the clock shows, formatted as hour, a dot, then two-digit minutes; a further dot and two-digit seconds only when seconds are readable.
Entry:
6.21.07
